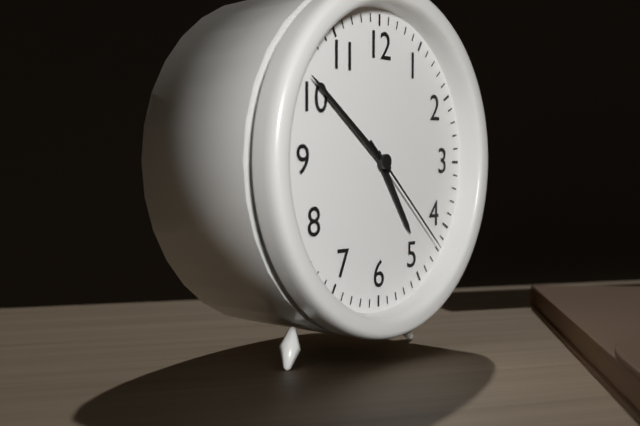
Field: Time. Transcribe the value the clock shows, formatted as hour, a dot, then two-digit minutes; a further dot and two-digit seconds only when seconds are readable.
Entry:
4.51.22
